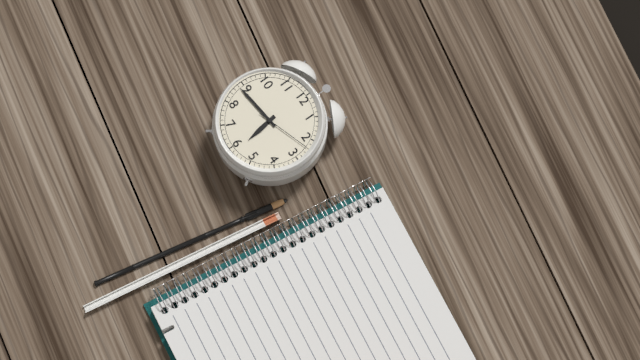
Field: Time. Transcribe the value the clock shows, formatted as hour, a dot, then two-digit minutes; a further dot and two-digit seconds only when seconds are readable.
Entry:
5.44.12
